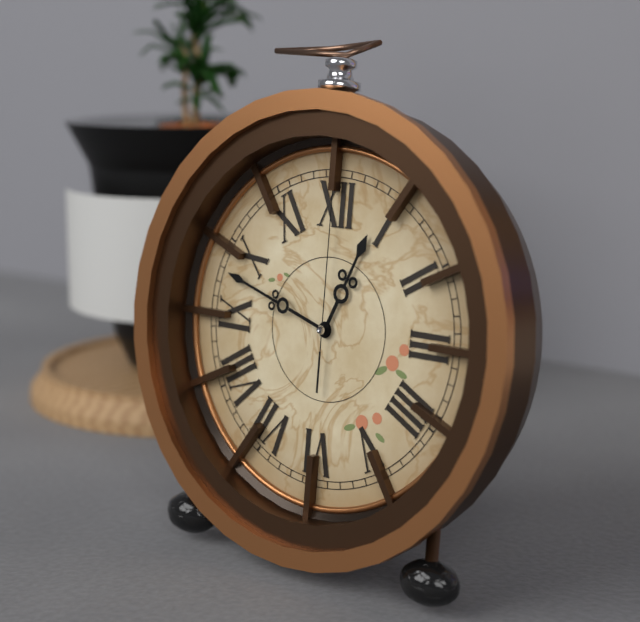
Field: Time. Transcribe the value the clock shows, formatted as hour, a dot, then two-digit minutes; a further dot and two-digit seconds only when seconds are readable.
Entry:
12.48.00
